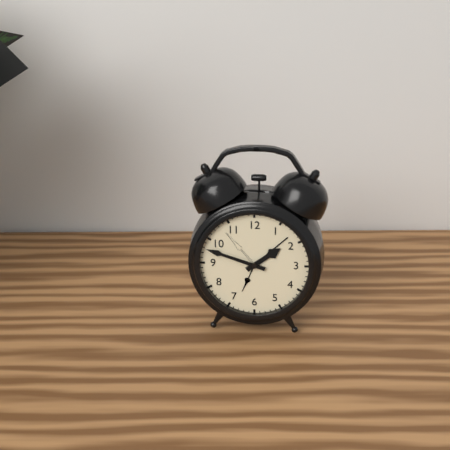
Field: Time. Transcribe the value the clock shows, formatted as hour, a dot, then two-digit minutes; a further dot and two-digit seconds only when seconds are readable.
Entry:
1.48
